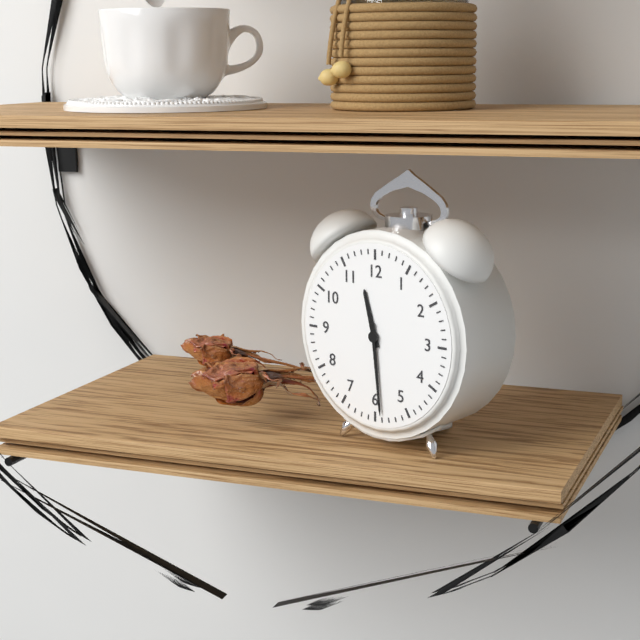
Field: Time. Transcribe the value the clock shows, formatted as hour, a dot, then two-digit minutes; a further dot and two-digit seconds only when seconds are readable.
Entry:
11.29
